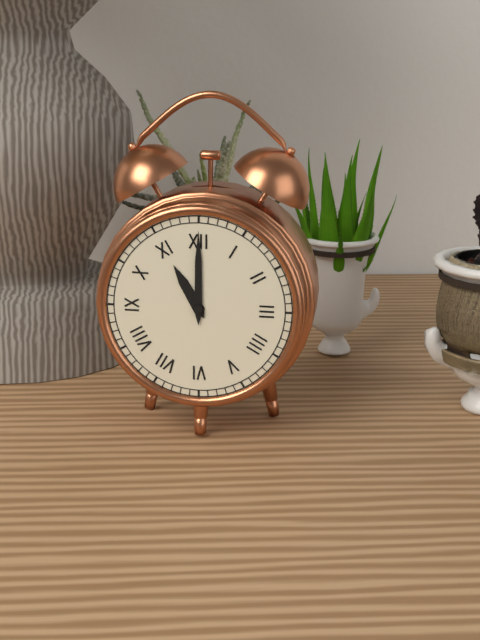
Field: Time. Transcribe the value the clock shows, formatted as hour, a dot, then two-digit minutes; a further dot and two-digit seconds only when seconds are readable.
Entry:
11.00
